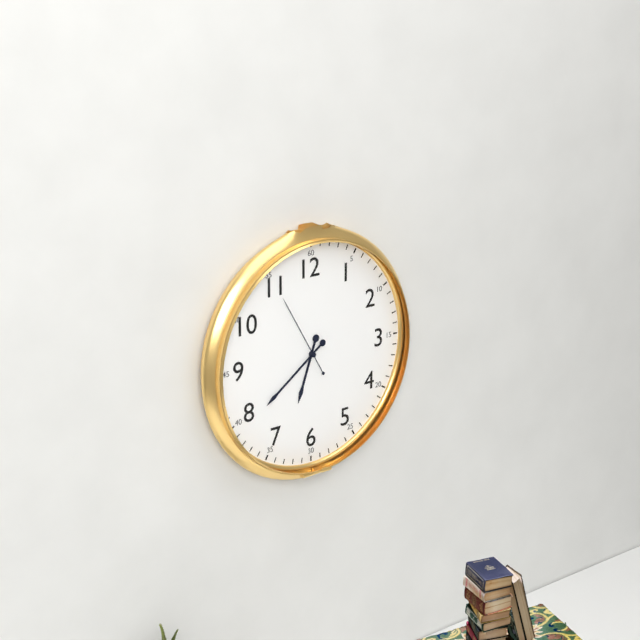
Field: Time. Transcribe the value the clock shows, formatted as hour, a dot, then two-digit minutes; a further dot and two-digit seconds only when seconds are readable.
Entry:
6.39.55
